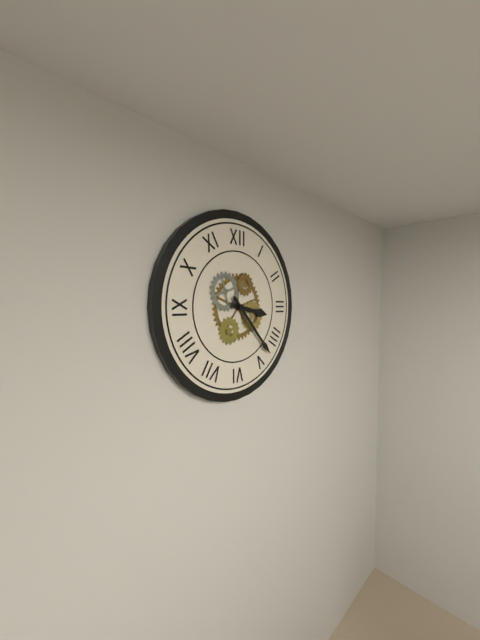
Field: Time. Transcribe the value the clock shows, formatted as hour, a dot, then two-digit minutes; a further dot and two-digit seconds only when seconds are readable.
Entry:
3.23
